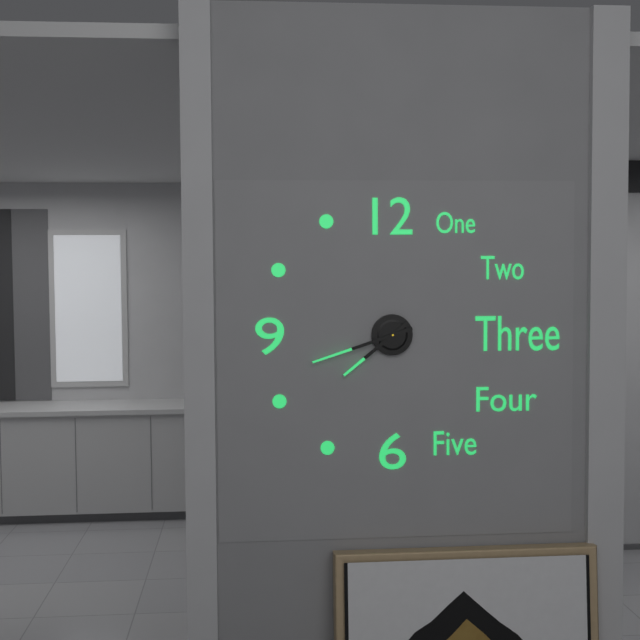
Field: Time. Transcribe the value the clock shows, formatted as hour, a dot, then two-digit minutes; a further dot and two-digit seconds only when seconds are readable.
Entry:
7.42
